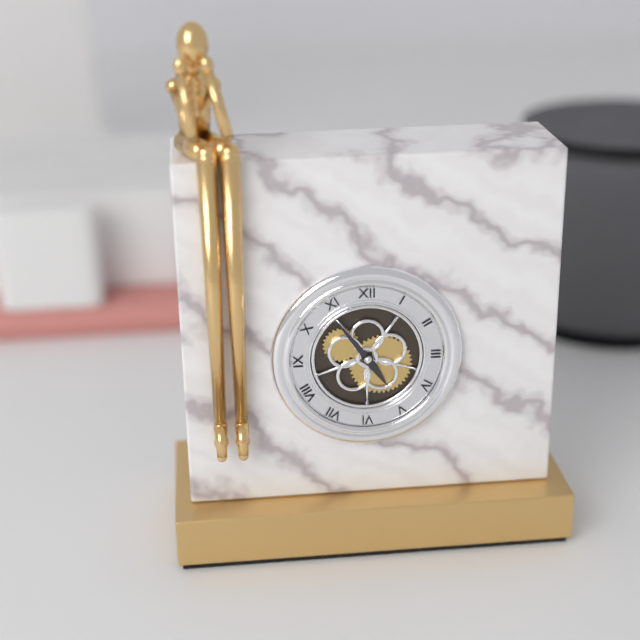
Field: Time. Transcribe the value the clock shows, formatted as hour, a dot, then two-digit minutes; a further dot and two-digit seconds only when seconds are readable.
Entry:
4.54
